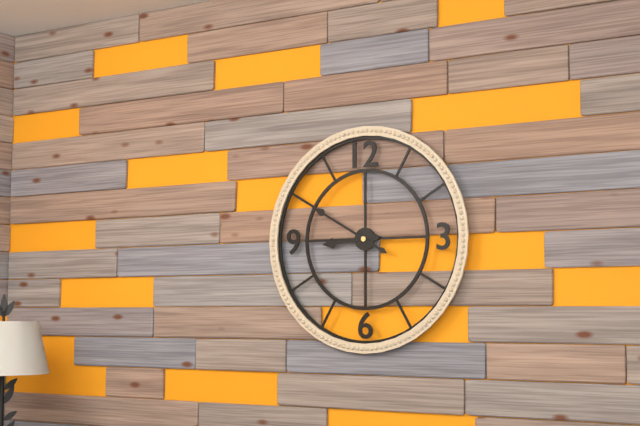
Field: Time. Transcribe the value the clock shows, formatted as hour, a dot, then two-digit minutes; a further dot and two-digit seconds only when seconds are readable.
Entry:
8.50
